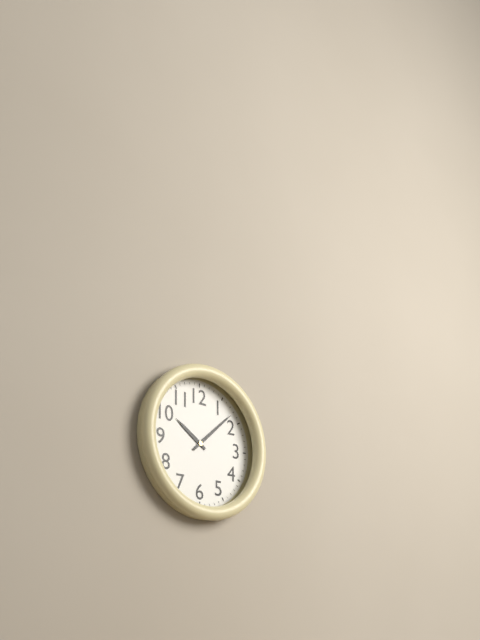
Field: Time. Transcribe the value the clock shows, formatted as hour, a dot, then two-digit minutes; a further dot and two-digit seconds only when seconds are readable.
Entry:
10.08
